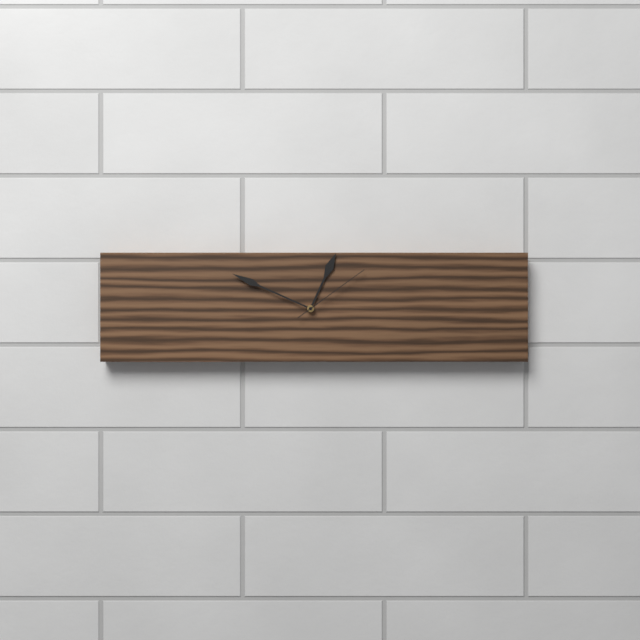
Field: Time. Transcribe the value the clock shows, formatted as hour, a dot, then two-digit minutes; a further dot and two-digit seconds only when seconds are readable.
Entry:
12.49.09
